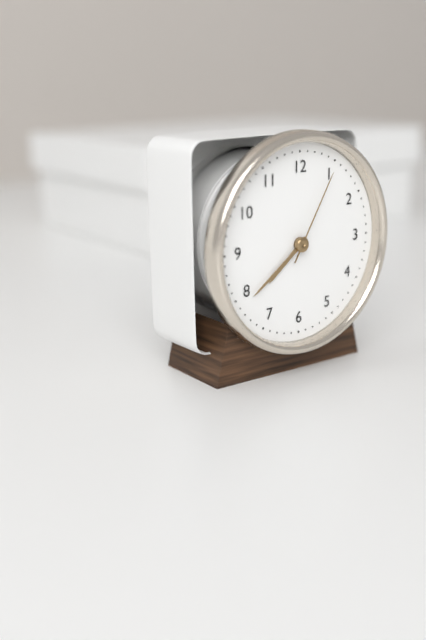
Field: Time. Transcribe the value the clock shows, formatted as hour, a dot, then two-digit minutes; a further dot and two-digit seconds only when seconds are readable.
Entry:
7.39.05
